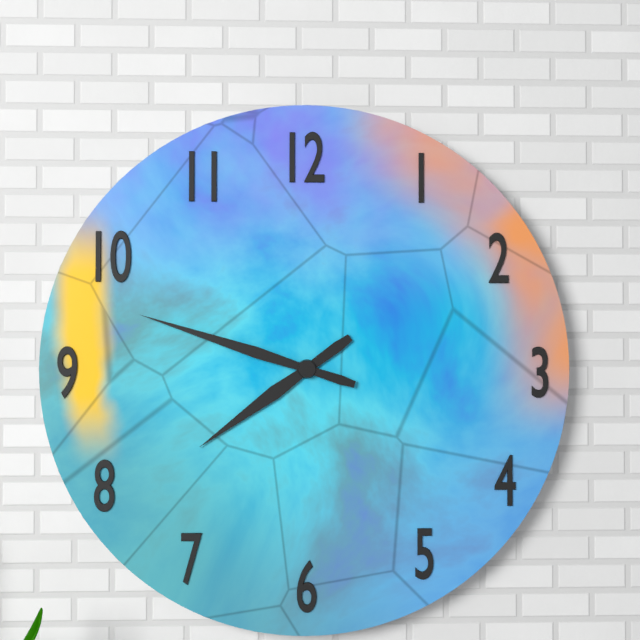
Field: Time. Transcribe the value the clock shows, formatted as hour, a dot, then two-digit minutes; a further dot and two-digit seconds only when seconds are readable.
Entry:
7.48
